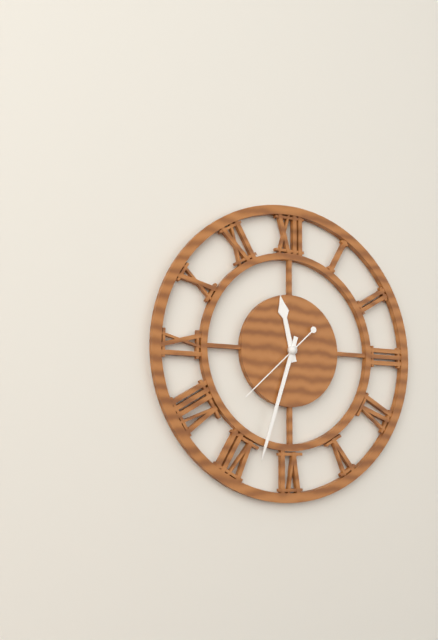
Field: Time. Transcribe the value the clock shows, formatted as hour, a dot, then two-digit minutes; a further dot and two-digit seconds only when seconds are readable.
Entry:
11.33.38
